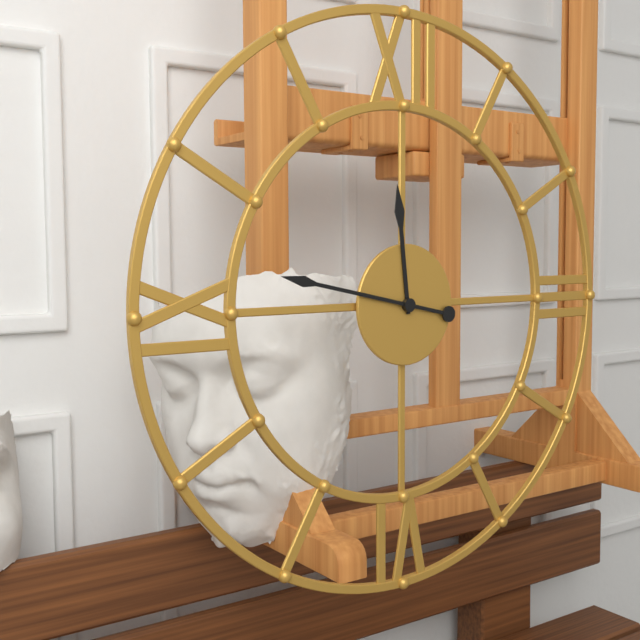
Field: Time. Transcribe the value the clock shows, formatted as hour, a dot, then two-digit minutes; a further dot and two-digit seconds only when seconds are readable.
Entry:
11.47
